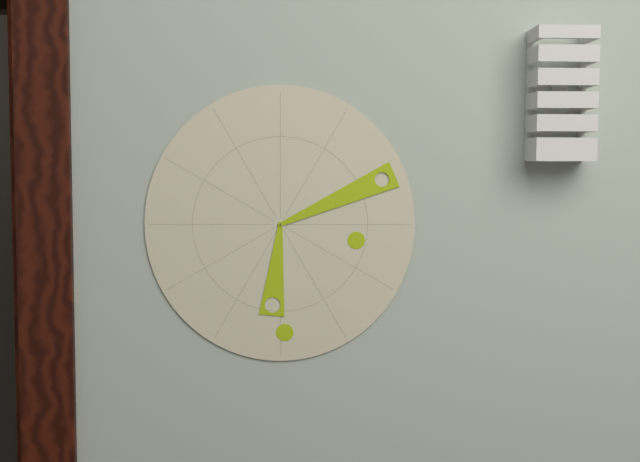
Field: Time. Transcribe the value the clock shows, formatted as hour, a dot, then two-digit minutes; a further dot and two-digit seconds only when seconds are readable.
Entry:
6.11
